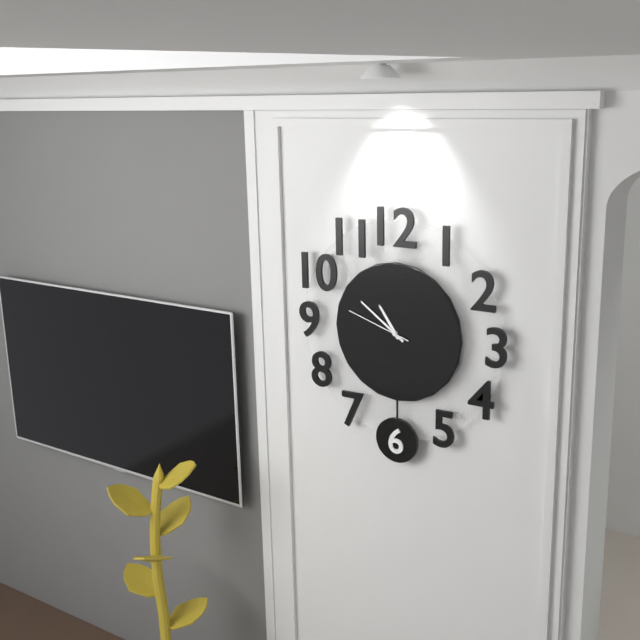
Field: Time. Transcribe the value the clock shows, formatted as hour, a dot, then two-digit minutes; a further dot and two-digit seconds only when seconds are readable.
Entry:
10.51.48
